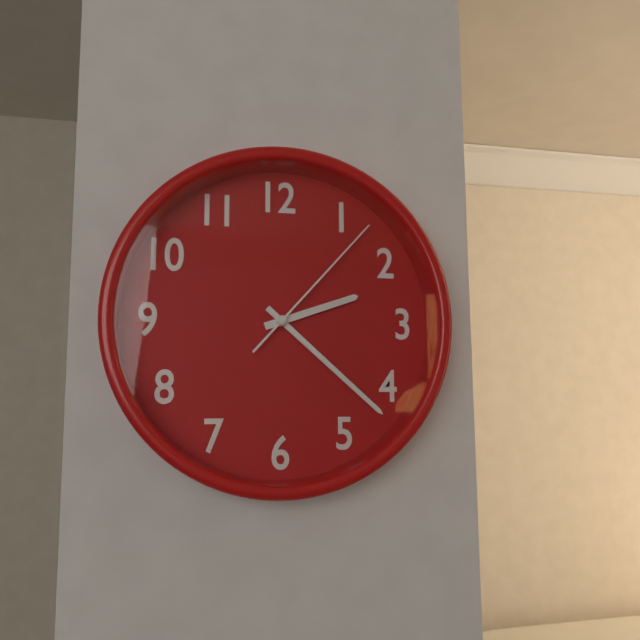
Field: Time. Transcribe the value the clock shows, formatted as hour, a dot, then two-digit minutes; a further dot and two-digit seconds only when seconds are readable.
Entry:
2.22.07
